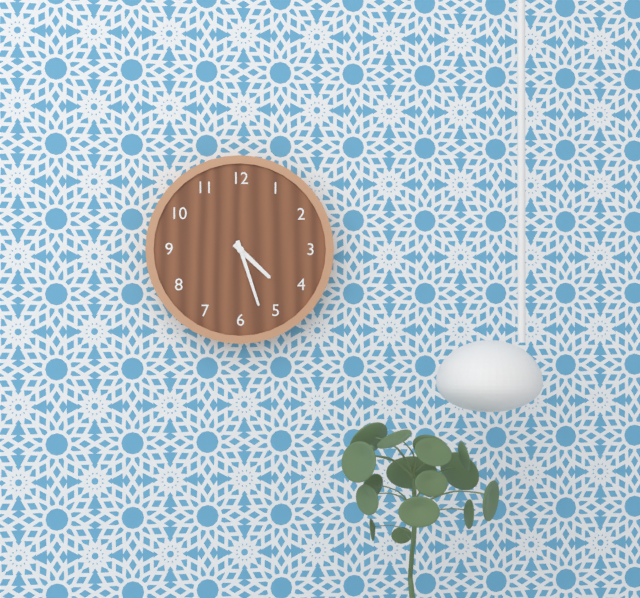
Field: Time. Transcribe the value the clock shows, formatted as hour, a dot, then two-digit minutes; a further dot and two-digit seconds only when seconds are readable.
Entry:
4.27
